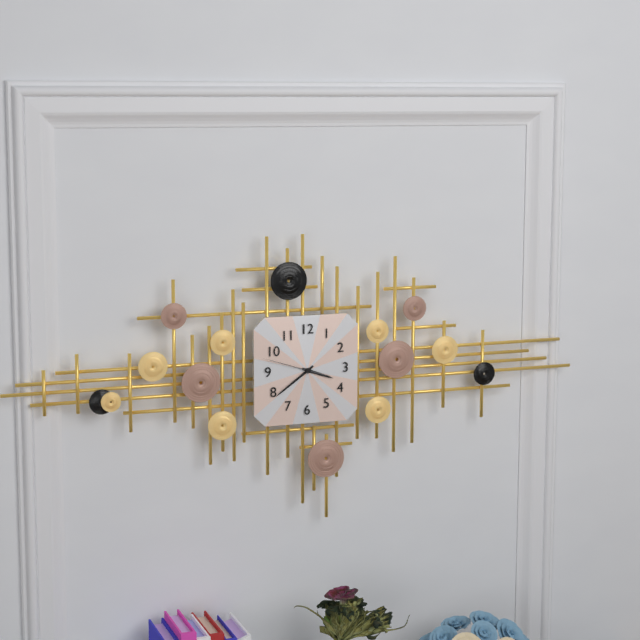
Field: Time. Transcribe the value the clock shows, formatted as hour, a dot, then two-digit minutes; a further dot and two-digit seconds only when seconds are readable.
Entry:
3.39.48
